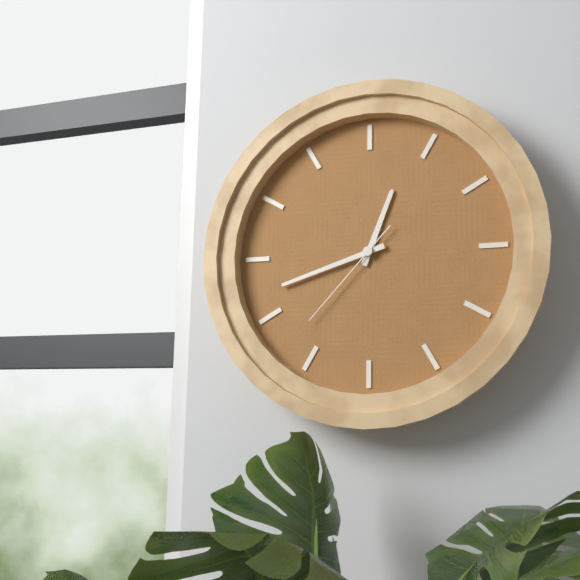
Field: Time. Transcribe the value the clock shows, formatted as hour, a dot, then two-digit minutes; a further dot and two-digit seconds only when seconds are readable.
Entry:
12.42.37
